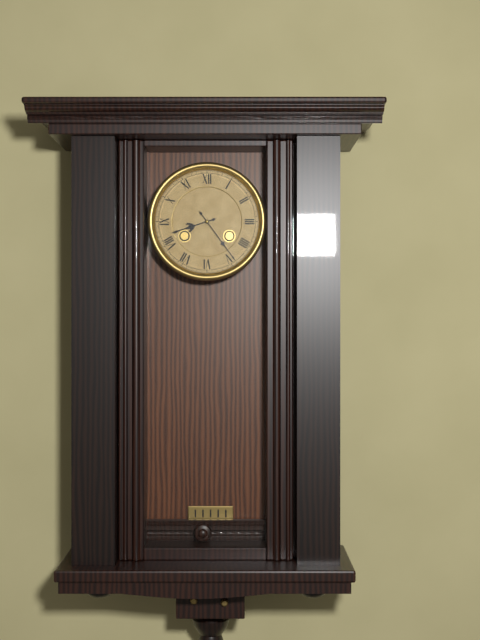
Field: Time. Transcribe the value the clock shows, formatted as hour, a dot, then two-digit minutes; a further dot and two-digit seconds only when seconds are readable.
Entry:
8.24
